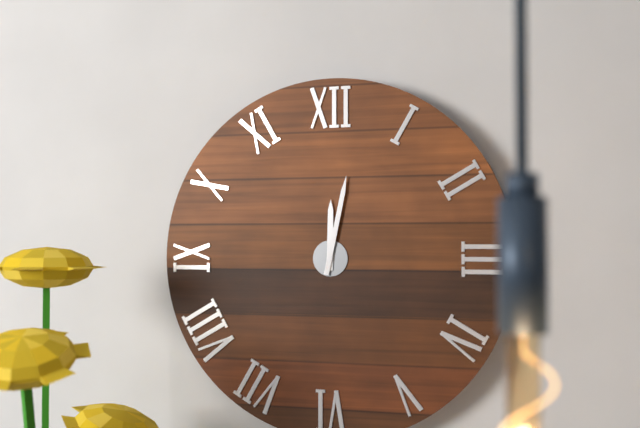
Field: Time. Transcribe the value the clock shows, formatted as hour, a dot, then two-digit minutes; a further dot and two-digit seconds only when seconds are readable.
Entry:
12.02
